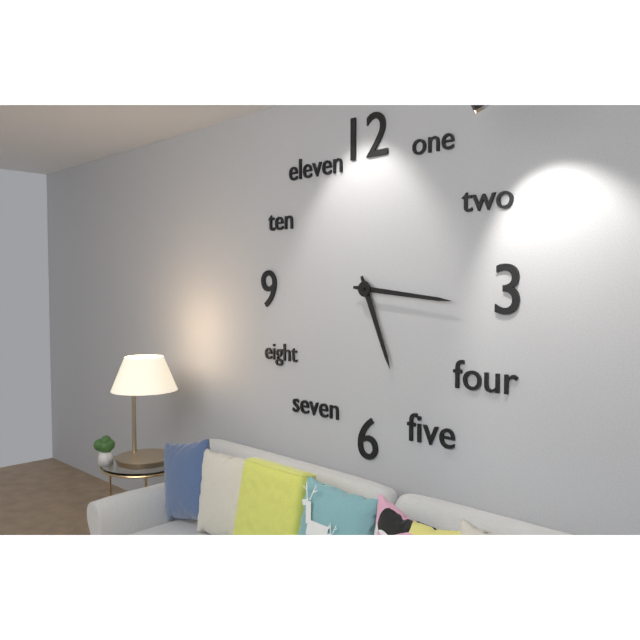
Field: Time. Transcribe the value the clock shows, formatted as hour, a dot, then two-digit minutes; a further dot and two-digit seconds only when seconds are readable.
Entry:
5.16
